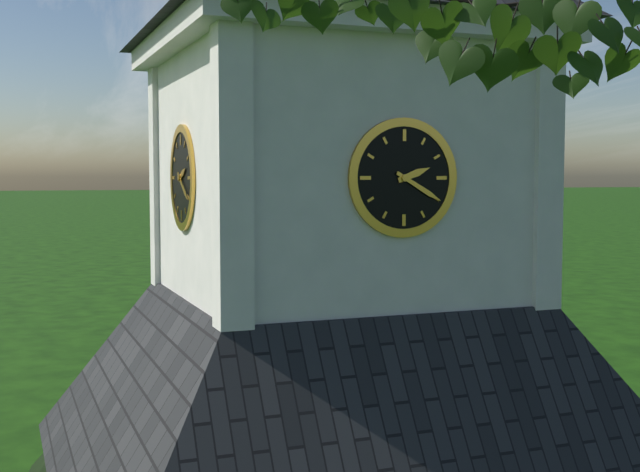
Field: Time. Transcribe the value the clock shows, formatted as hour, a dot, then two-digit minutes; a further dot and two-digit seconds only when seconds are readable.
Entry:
2.20
